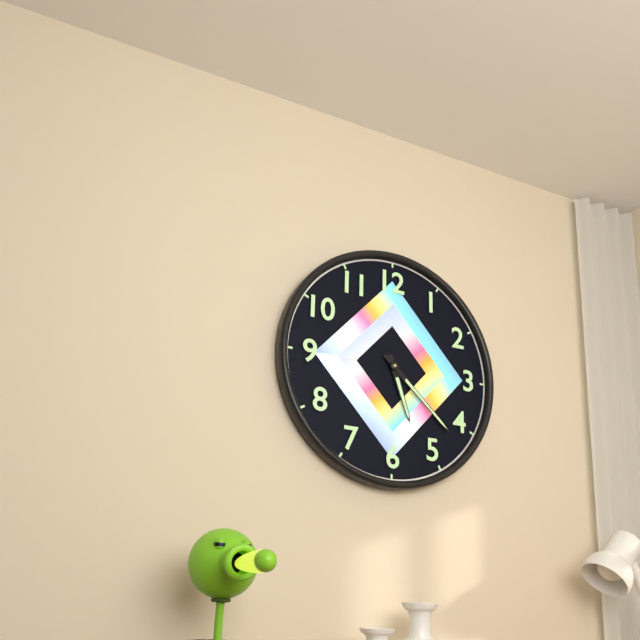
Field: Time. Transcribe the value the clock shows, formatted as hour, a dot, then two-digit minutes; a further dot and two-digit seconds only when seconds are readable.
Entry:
5.22
